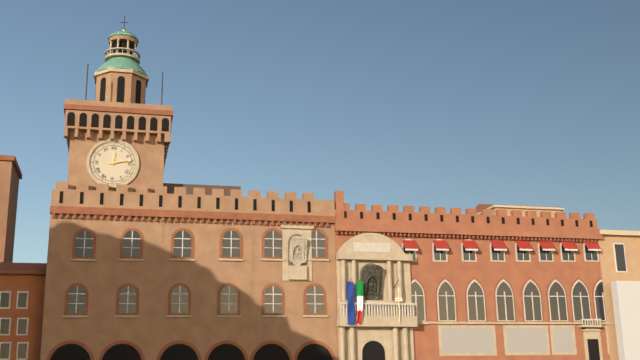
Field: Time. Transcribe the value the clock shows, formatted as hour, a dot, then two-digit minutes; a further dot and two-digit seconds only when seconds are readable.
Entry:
12.13
